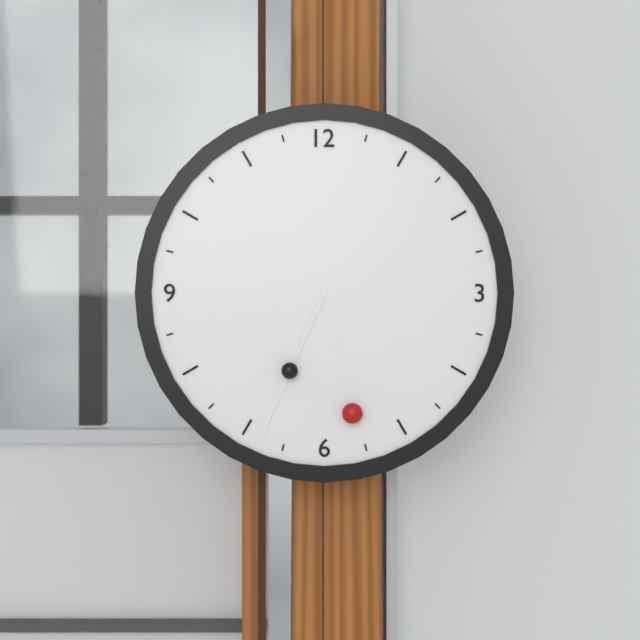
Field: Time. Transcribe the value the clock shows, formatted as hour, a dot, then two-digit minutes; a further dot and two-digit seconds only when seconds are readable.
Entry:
5.34
